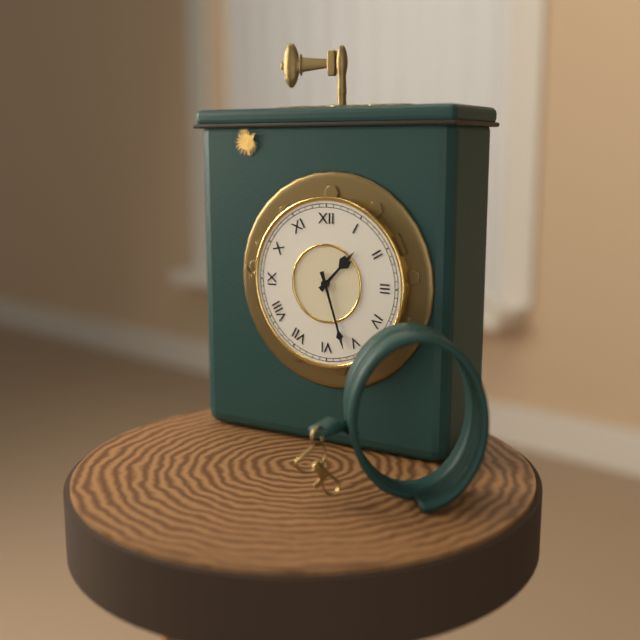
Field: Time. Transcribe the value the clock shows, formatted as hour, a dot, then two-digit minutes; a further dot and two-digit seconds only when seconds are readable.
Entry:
1.27
